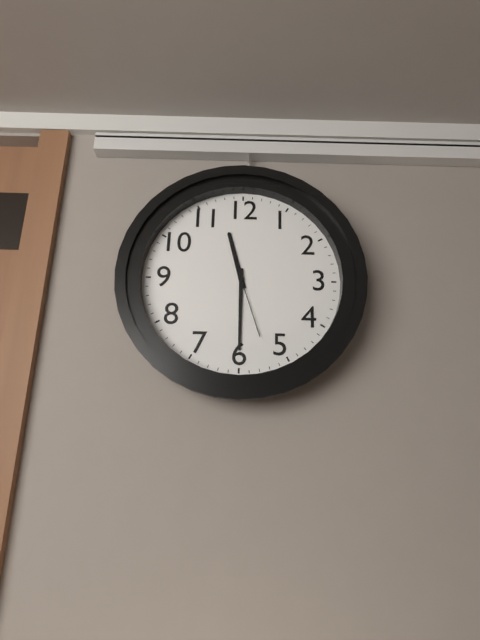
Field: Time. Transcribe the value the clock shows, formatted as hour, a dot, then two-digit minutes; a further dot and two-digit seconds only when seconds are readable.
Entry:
11.30.27
